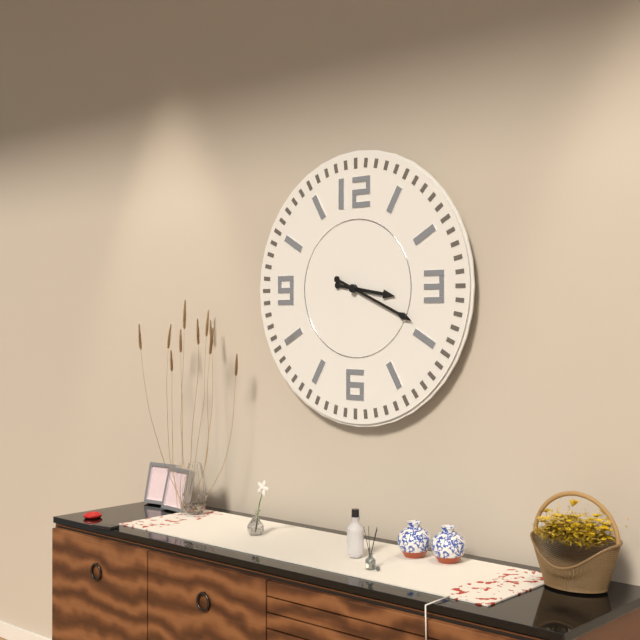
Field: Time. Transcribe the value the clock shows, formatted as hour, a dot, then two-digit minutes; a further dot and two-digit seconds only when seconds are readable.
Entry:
3.19
